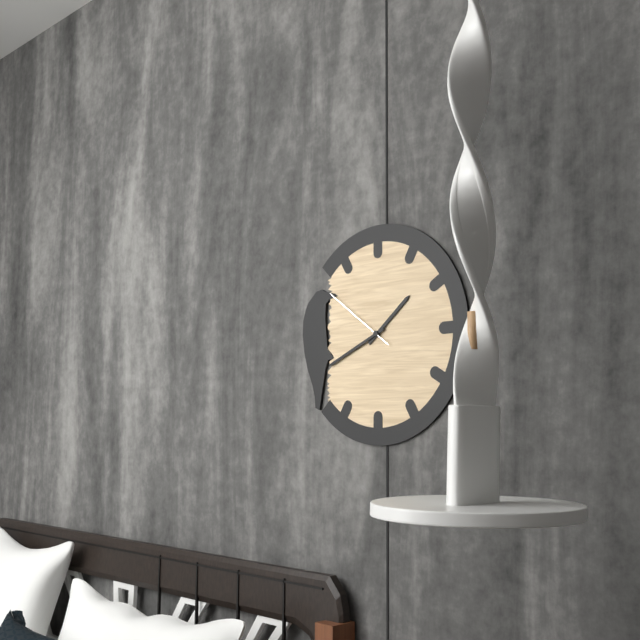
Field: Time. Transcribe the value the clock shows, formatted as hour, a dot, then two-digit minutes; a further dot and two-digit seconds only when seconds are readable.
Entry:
1.41.51
